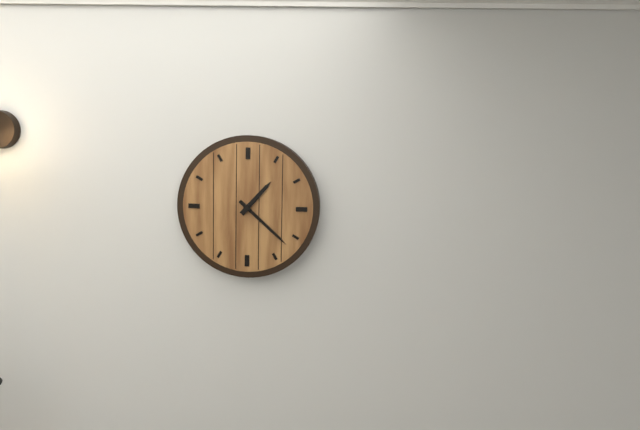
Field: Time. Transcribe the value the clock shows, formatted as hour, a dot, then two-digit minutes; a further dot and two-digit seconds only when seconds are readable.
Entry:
1.22
